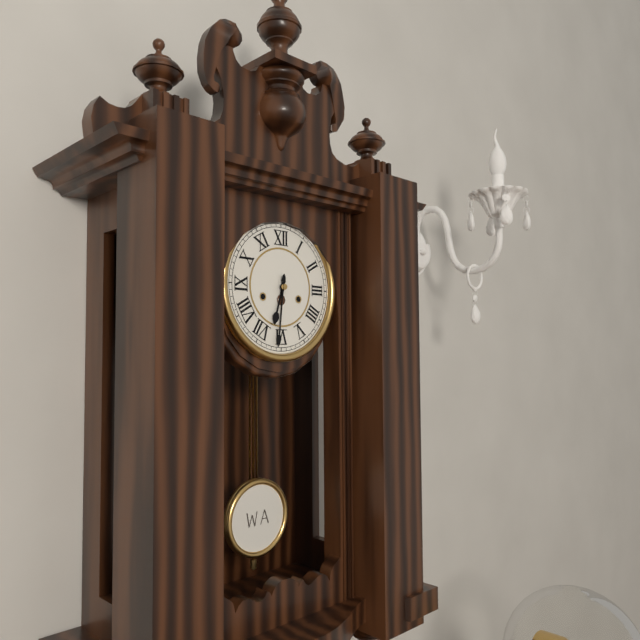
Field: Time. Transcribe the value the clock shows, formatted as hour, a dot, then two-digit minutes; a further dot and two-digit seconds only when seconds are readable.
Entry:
6.31
